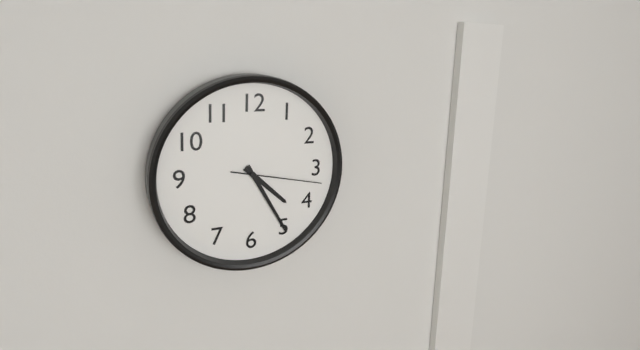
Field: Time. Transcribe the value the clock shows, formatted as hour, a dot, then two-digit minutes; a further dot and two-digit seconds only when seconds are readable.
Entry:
4.25.17
